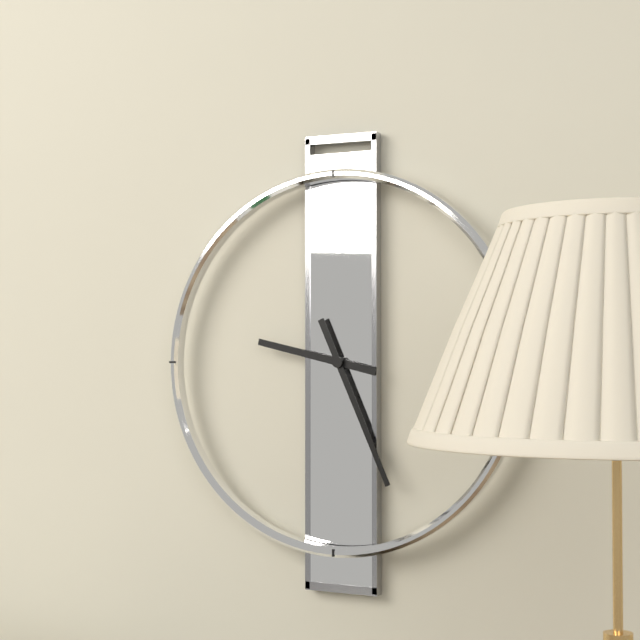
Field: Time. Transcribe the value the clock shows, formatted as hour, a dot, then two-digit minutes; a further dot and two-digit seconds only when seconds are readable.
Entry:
9.26
